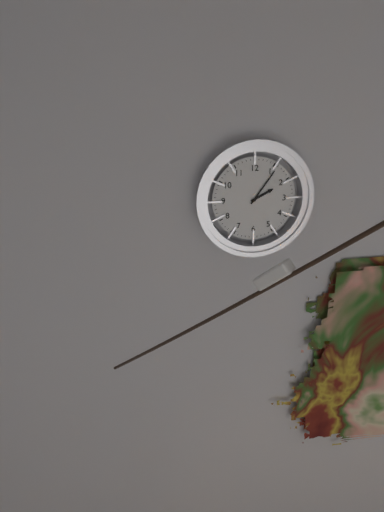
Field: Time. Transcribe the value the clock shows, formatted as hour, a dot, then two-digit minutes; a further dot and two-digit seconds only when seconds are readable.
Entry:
2.06
